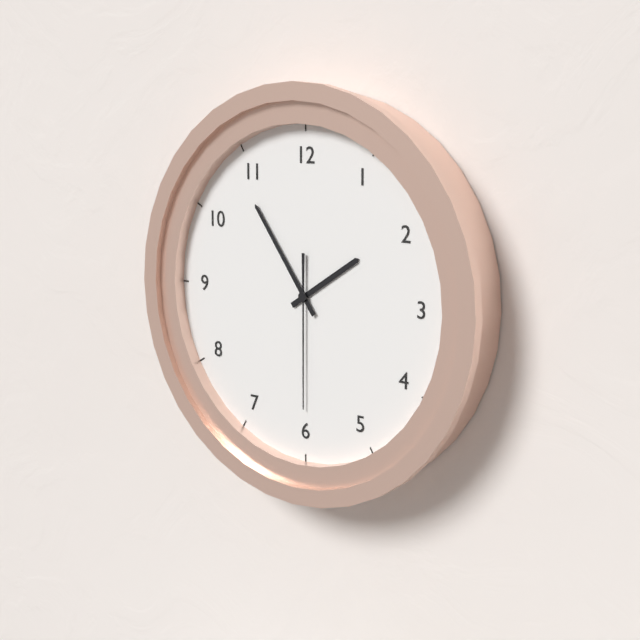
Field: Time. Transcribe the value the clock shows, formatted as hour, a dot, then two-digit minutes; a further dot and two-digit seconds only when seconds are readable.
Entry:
1.54.30
